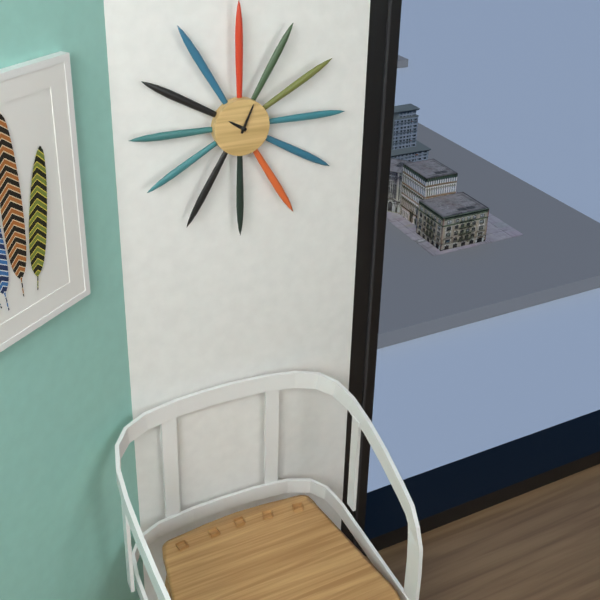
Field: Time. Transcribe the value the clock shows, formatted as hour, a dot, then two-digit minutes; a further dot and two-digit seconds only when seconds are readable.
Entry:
10.04
